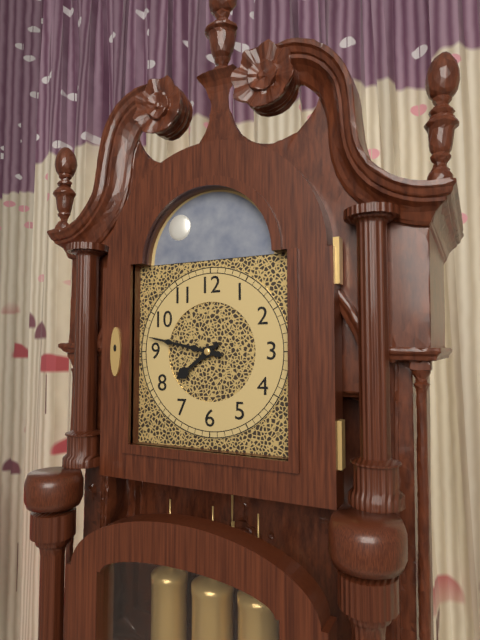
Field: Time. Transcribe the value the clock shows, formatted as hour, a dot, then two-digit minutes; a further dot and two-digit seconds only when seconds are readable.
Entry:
7.47
